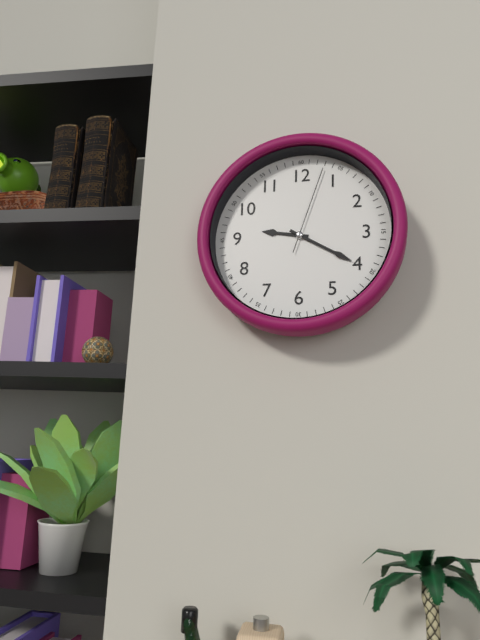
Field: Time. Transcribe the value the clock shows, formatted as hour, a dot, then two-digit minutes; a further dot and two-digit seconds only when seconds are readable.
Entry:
9.20.03
